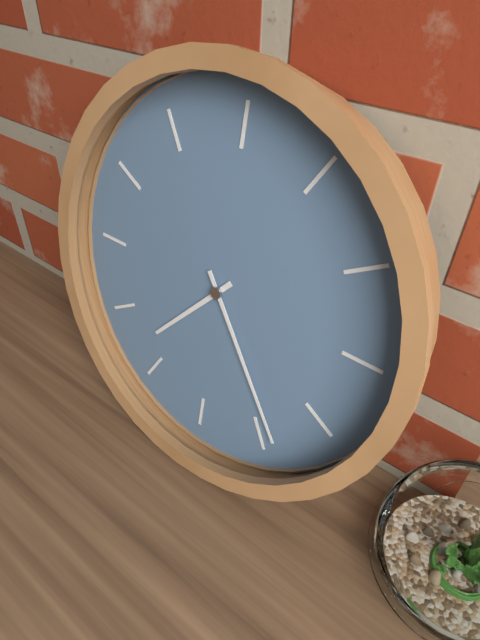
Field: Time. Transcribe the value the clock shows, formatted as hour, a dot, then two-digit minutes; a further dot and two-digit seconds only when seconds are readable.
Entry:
7.24
